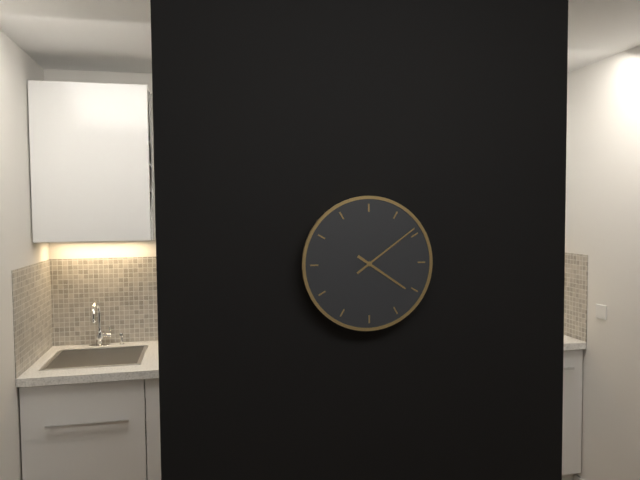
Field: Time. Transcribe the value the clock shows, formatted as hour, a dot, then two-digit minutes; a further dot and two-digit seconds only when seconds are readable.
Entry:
4.09
